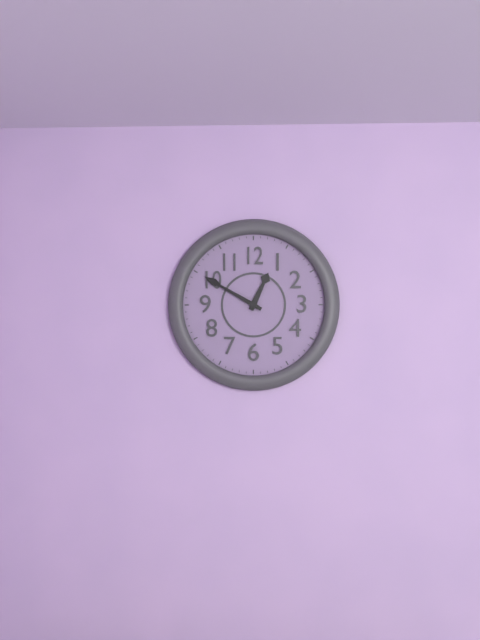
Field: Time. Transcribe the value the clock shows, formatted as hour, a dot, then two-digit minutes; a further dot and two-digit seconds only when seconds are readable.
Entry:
12.50
